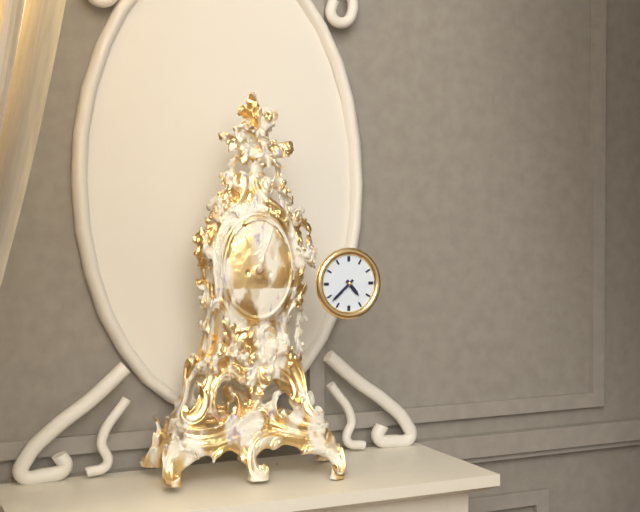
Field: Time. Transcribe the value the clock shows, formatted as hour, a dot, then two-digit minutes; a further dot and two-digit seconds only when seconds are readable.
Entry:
4.38
